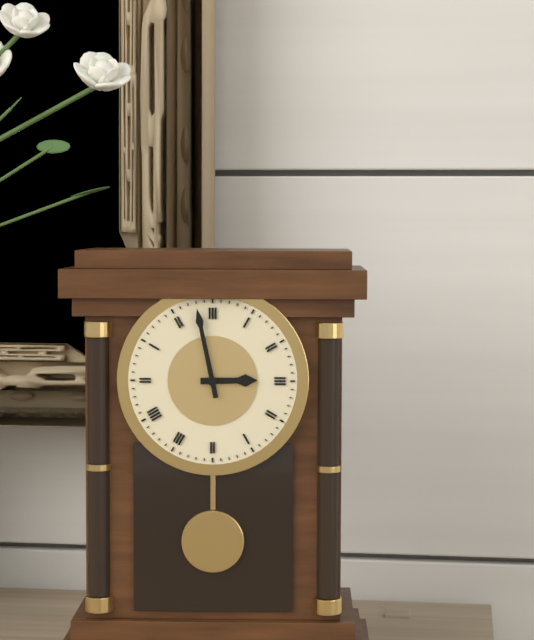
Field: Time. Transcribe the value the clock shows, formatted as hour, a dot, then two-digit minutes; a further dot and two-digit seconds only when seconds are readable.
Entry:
2.58
